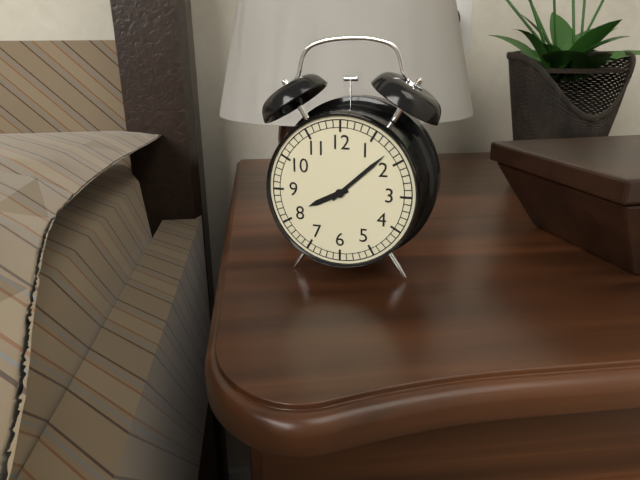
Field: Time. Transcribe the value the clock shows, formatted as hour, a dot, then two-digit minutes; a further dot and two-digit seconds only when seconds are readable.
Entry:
8.08
